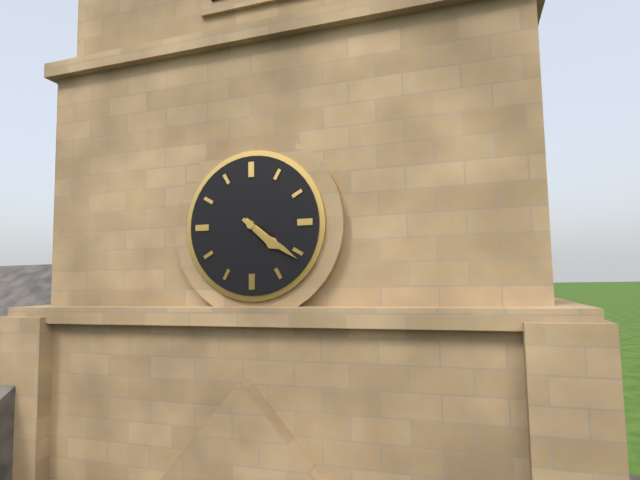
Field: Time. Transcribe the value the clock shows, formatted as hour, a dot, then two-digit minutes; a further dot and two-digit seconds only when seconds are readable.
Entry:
4.21
